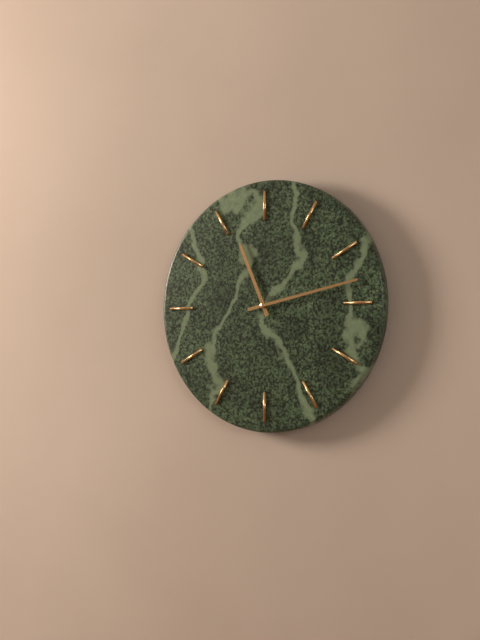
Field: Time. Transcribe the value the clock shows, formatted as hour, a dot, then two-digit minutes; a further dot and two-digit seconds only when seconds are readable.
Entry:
11.13
